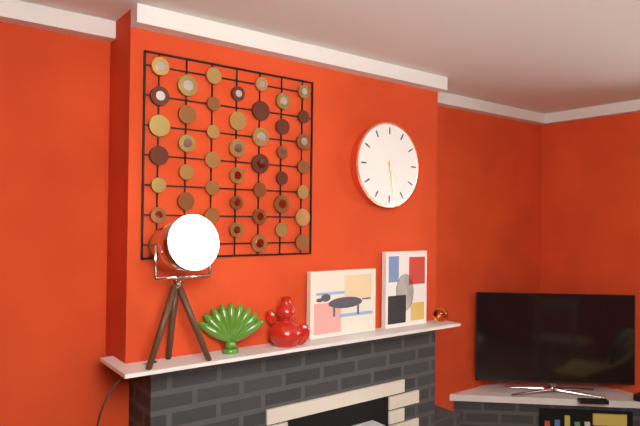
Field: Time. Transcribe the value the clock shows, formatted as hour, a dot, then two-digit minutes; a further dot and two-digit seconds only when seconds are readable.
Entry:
5.28
